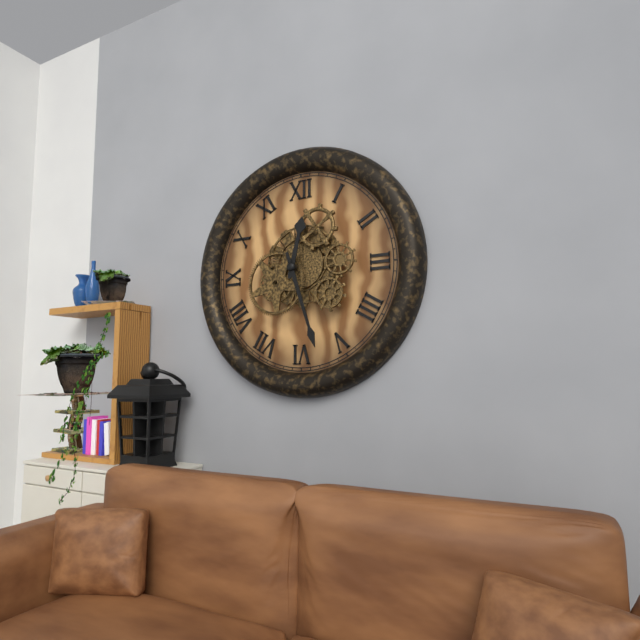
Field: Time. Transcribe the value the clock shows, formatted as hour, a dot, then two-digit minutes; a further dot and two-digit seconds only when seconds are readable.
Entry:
12.27
